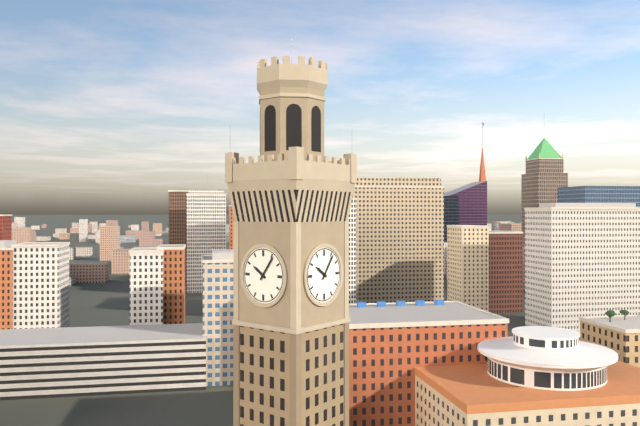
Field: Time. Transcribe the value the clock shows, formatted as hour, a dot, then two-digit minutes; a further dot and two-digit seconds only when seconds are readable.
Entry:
10.06
